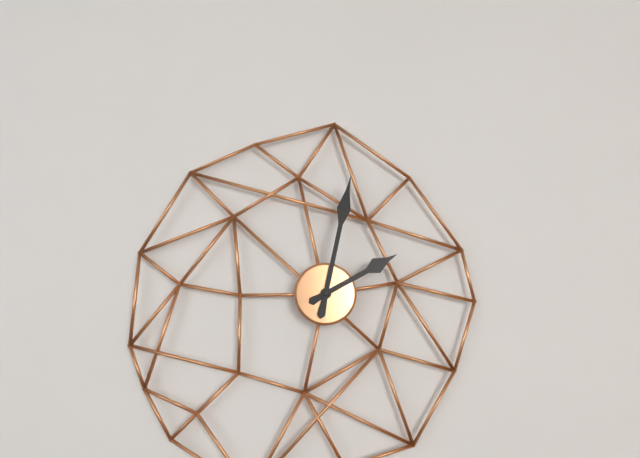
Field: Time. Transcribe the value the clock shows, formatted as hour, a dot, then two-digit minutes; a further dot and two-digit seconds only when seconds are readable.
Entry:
2.02
